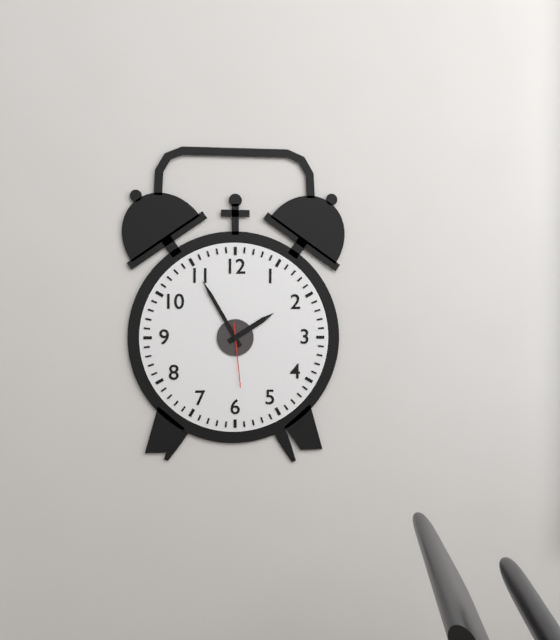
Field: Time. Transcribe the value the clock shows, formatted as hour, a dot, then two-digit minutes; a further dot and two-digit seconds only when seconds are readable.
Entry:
1.55.29
